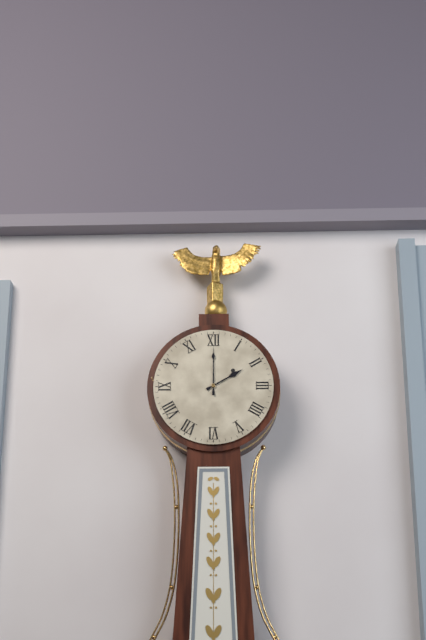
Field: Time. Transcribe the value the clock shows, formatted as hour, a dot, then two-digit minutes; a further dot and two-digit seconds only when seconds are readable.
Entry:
2.00
